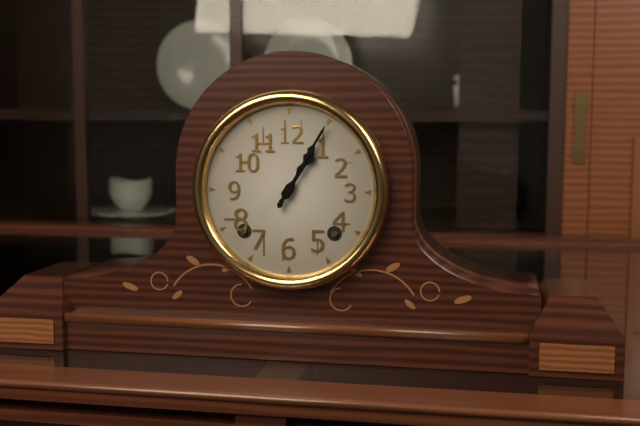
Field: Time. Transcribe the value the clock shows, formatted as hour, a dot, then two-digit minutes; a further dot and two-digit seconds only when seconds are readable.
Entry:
1.05
